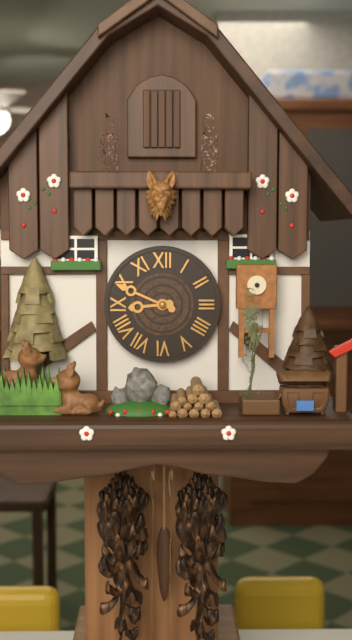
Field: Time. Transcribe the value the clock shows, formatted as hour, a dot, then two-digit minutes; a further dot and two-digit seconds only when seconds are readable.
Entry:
8.49
